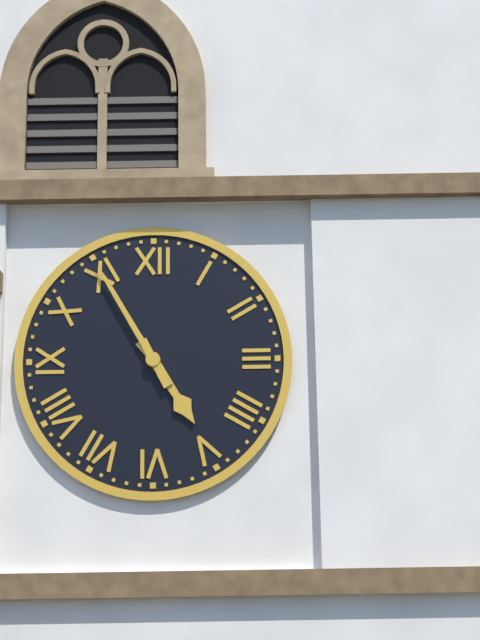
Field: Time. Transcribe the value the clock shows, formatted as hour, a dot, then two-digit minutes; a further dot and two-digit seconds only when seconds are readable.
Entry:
4.55
